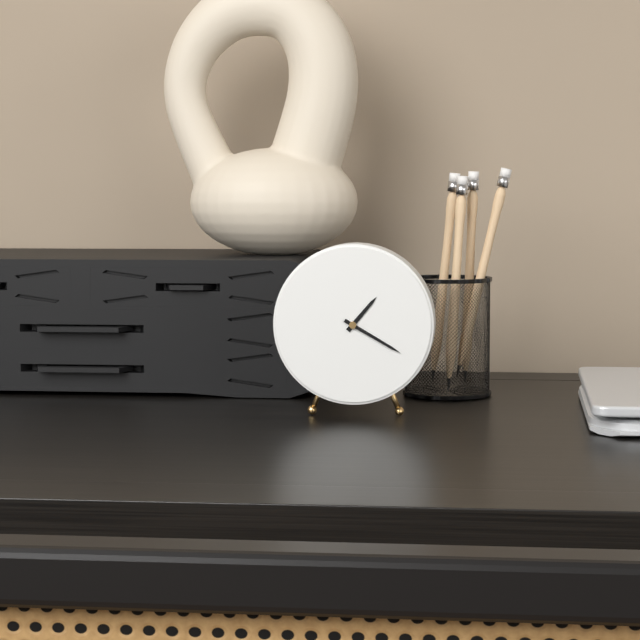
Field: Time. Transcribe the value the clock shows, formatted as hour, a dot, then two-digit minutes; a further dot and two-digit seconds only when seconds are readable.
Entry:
1.20
